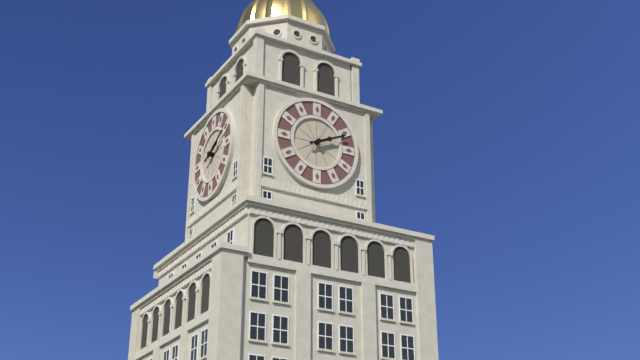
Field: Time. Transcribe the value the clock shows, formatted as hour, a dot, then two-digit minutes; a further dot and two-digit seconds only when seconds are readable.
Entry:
2.11
